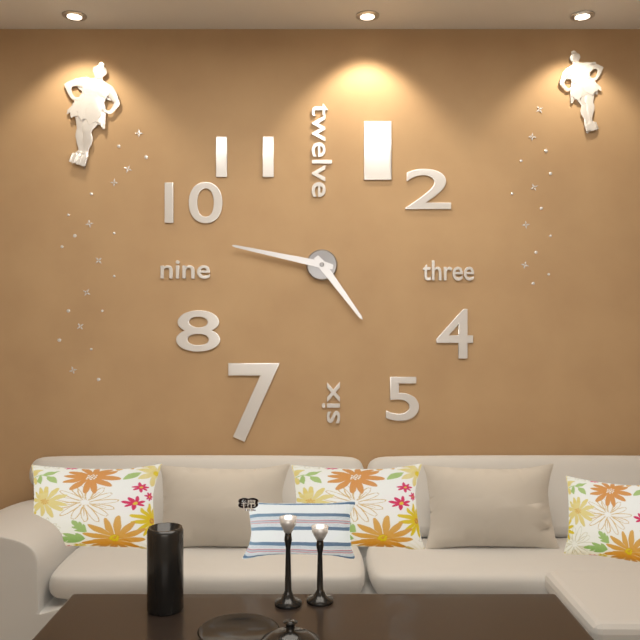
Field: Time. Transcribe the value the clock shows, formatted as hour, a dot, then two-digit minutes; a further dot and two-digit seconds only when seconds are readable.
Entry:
4.47
